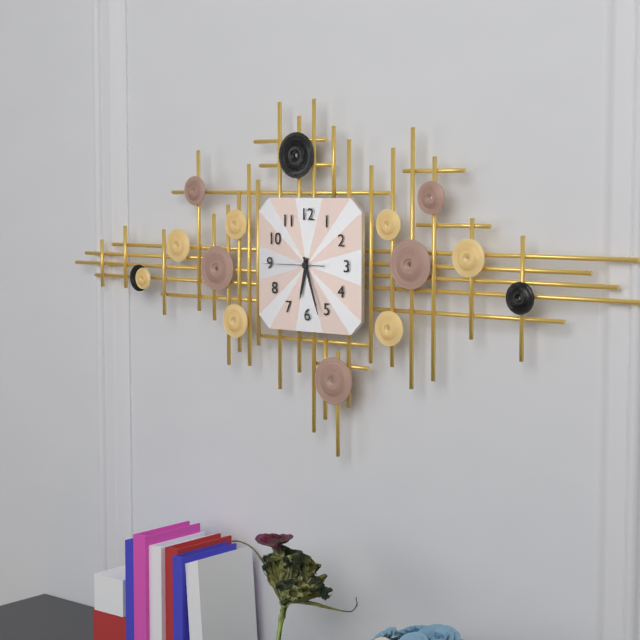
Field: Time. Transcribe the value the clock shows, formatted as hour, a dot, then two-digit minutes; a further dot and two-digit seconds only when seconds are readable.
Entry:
6.27.45
